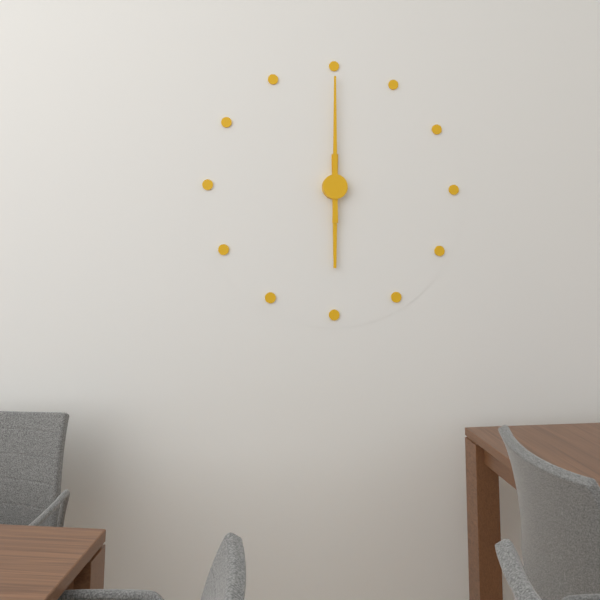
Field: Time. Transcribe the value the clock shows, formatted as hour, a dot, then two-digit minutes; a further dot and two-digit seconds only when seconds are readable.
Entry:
6.00
